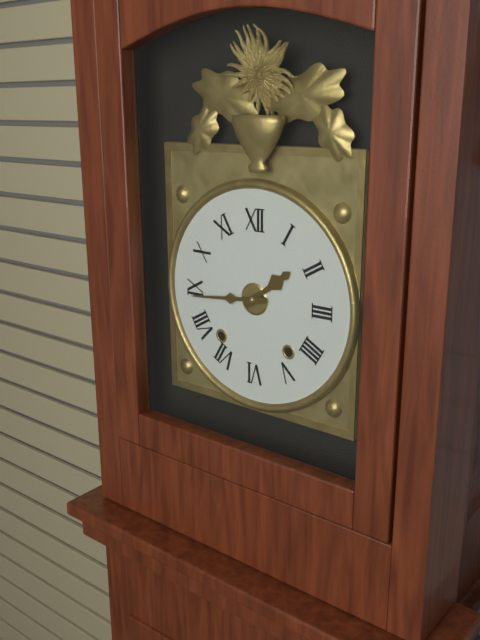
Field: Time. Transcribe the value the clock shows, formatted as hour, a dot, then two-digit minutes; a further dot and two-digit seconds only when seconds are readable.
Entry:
1.44
